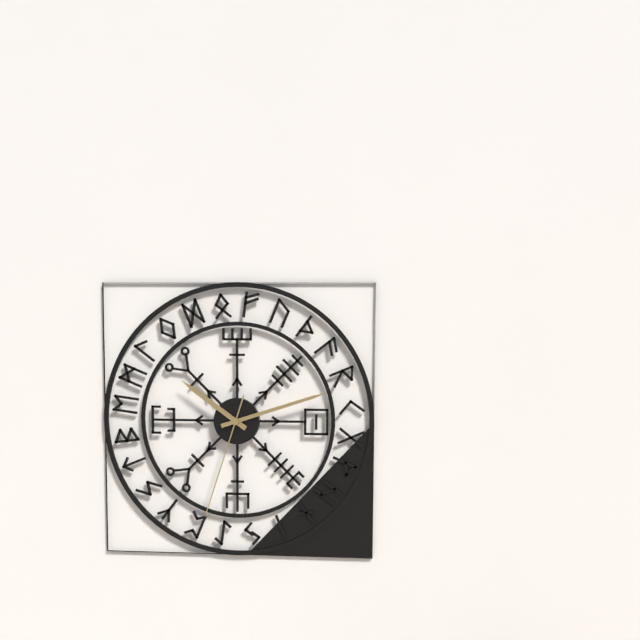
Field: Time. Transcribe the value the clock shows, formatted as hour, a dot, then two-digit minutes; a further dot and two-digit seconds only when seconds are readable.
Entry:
10.12.33
